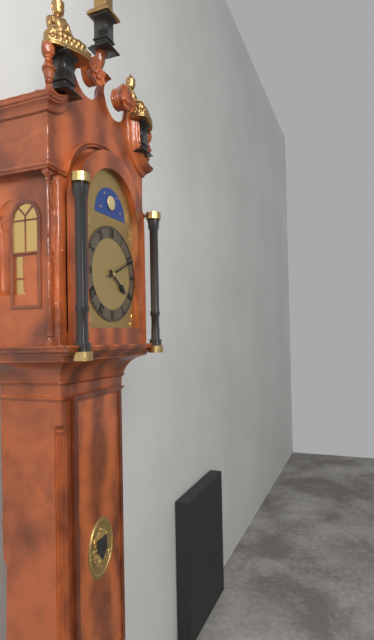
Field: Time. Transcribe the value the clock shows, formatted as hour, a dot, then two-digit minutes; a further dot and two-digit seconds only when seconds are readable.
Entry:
4.11
